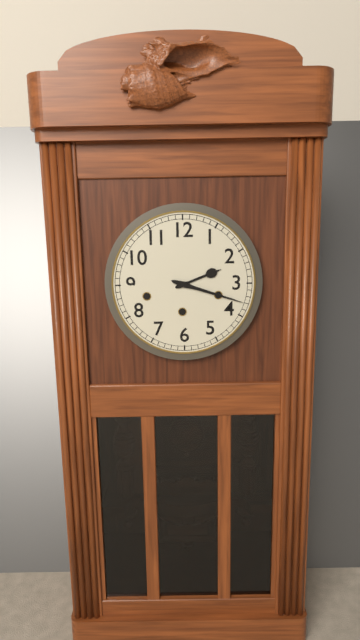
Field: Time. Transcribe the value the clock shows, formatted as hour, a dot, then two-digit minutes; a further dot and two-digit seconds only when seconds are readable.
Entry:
2.18
